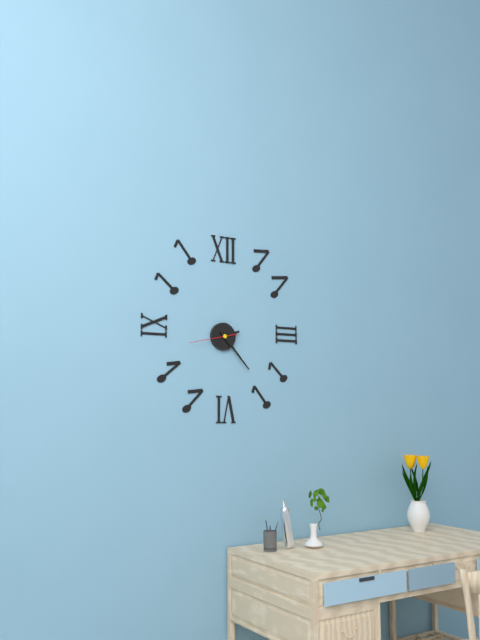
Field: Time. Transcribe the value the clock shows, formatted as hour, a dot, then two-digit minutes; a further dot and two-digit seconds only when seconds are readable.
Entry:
2.23
